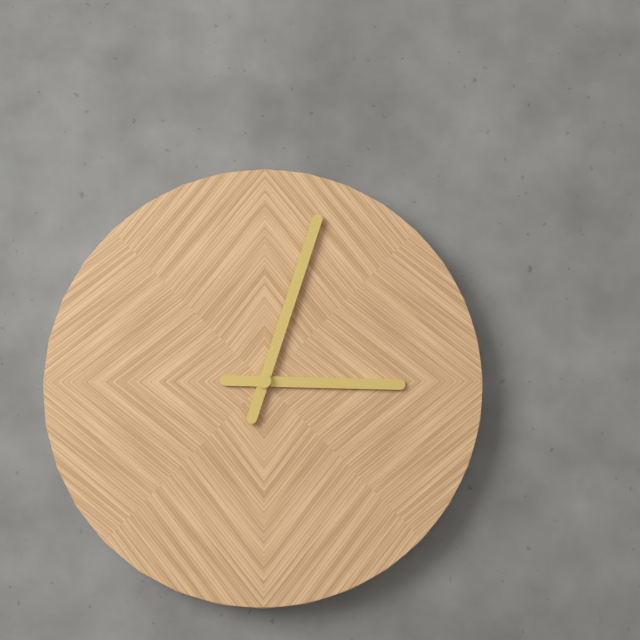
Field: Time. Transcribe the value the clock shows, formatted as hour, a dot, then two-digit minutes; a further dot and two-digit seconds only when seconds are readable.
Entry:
3.03
